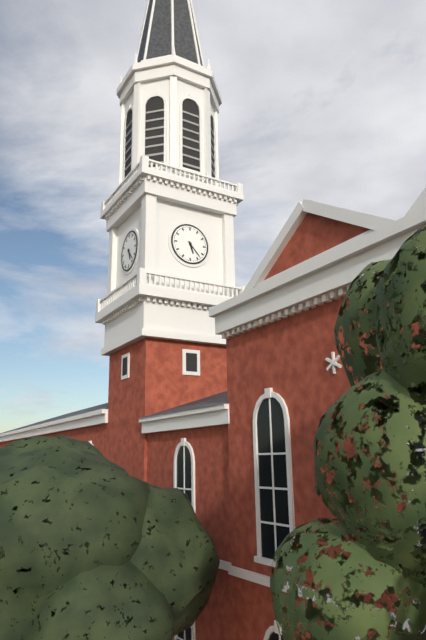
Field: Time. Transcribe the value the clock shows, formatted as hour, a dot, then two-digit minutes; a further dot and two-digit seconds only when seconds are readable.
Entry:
5.23
